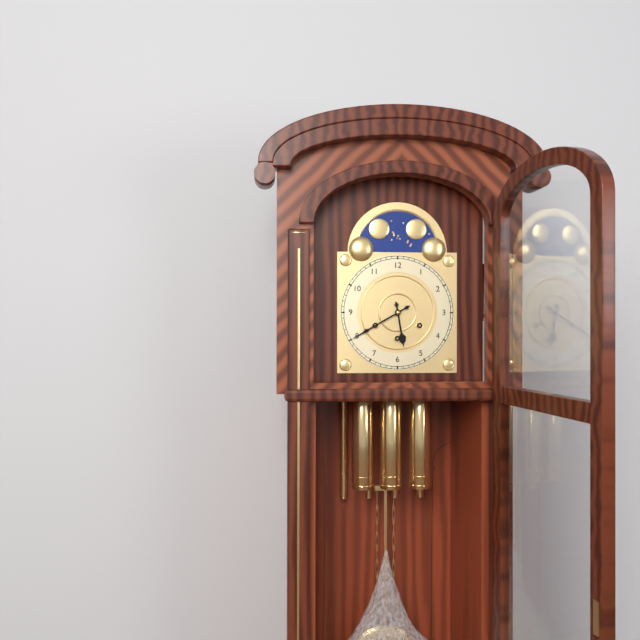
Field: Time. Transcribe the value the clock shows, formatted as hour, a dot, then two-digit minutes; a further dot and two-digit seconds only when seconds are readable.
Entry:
5.40
